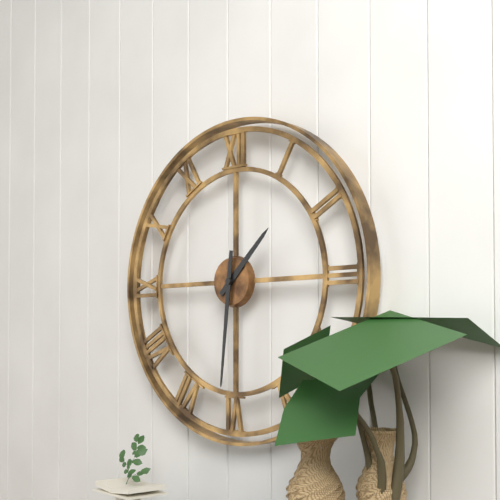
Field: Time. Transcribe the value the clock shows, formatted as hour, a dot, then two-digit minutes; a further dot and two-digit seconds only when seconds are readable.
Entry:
1.31
